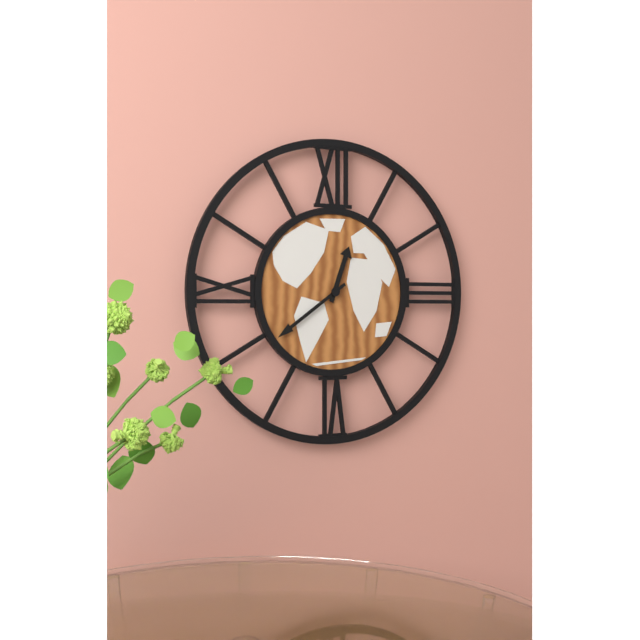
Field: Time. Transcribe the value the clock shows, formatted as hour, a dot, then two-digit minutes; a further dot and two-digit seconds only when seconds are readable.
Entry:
12.39
